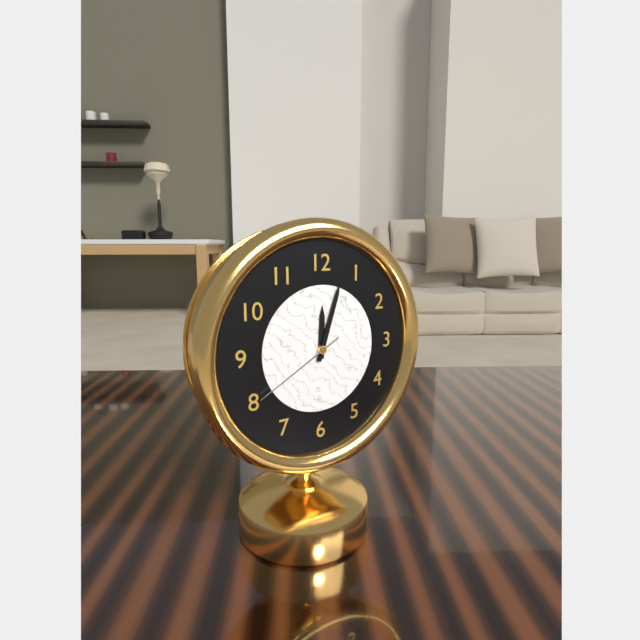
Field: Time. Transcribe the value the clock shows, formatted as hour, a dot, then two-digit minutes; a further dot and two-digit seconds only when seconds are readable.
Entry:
12.03.40
